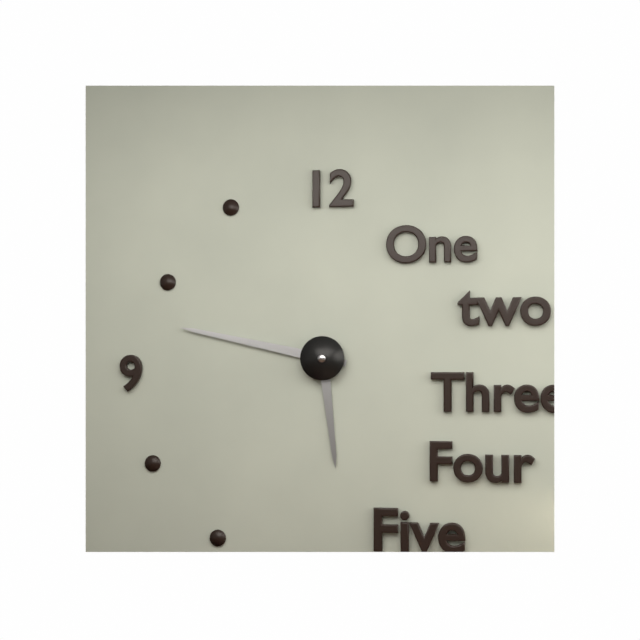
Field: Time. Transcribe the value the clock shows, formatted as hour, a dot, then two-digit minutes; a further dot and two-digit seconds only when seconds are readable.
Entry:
5.47
